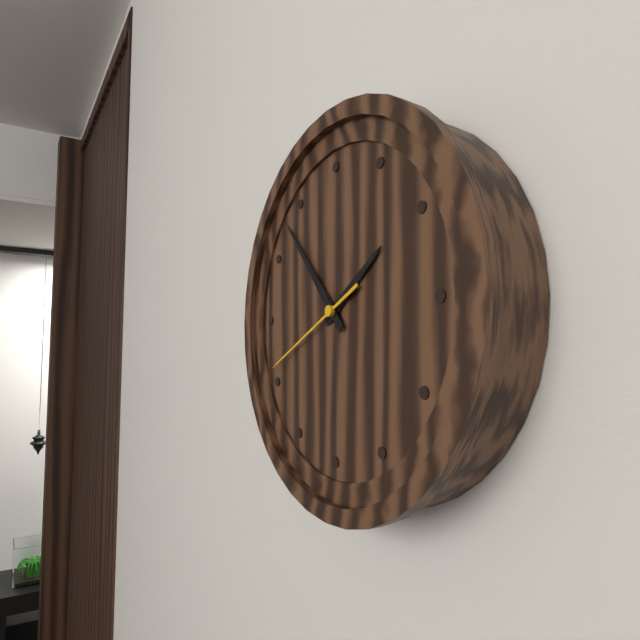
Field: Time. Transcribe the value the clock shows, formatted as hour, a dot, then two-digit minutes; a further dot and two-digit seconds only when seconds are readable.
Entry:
1.53.41
